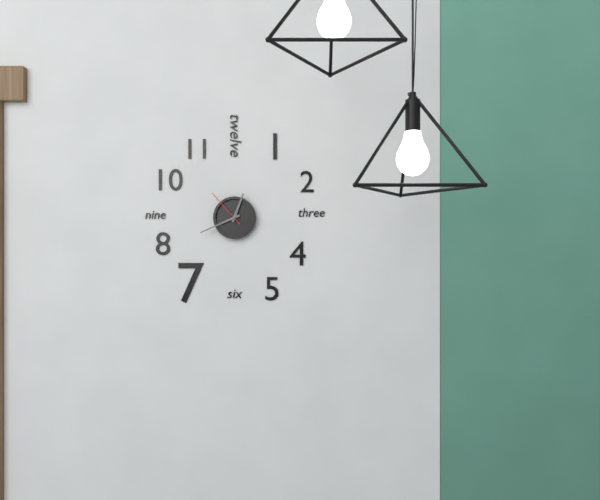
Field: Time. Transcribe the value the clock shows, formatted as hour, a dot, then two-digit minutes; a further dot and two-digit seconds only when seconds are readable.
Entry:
12.41
